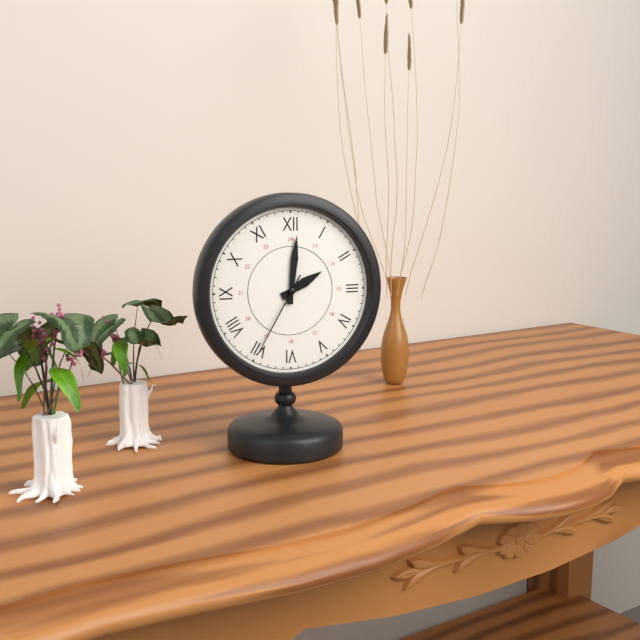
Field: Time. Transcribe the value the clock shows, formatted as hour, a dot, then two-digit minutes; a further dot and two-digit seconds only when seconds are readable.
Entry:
2.01.35
